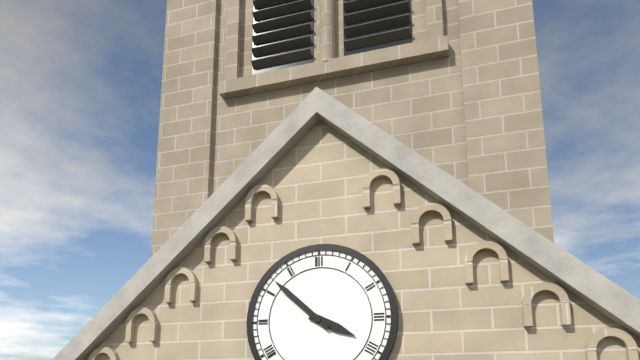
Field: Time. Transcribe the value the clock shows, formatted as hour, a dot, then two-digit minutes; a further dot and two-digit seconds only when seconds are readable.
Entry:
3.52
